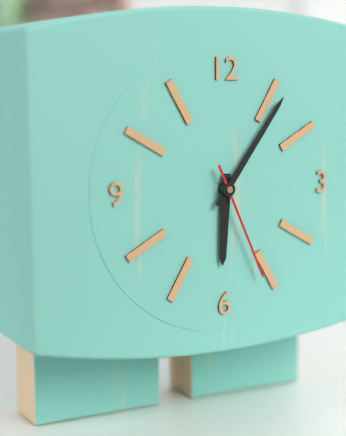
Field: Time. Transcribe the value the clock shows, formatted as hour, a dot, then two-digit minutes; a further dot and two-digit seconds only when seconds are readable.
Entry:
6.06.26
